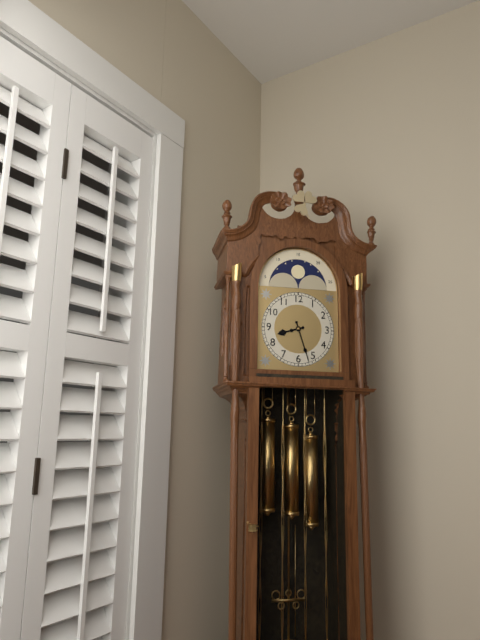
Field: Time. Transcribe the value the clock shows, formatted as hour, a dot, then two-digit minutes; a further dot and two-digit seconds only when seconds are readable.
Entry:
8.27
